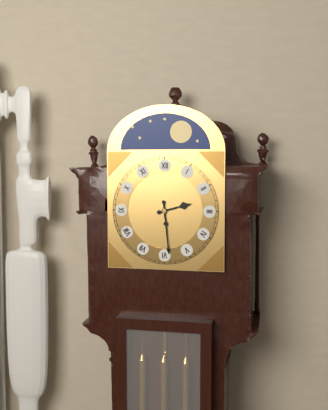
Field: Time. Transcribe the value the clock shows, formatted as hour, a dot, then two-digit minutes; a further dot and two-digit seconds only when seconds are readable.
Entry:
2.29
